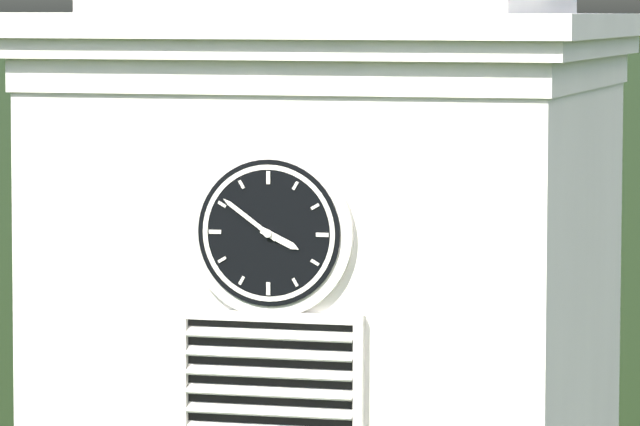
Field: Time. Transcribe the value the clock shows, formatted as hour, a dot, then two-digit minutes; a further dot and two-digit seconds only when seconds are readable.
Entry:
3.51
